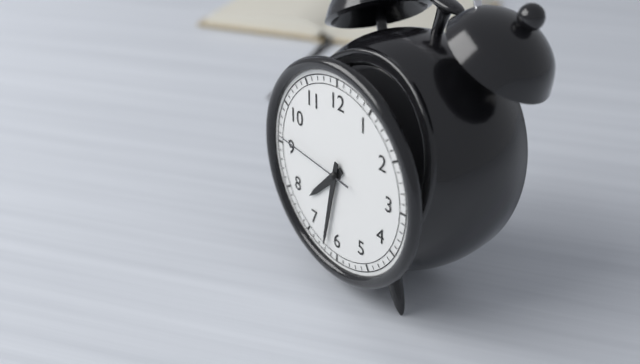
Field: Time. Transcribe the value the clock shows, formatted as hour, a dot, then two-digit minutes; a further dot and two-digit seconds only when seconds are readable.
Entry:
7.32.46
